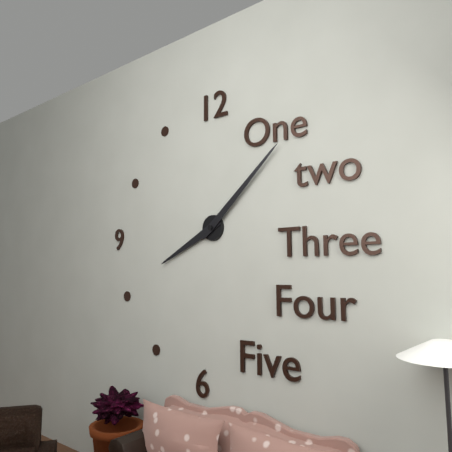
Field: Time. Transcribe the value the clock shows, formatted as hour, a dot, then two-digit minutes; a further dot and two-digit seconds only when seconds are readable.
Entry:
8.08
